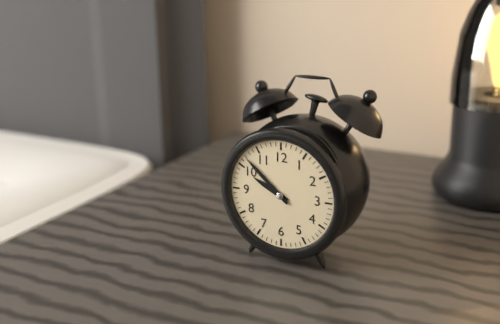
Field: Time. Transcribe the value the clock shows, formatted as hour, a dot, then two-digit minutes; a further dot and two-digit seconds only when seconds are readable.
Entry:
9.52
